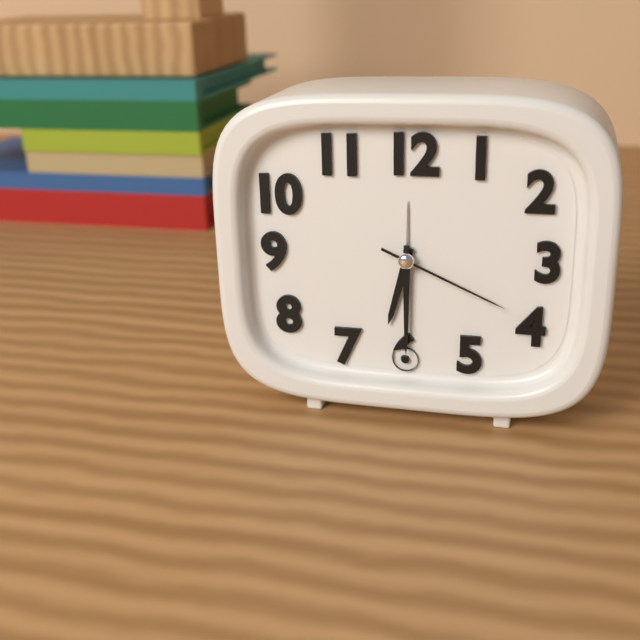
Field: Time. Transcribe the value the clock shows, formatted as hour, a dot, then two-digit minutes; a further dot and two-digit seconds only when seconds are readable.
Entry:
6.30.19
